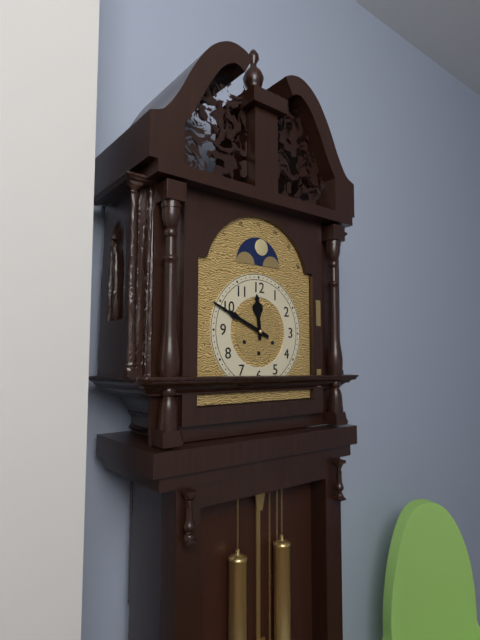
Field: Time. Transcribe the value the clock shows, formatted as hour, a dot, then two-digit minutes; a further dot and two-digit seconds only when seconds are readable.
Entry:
11.49
